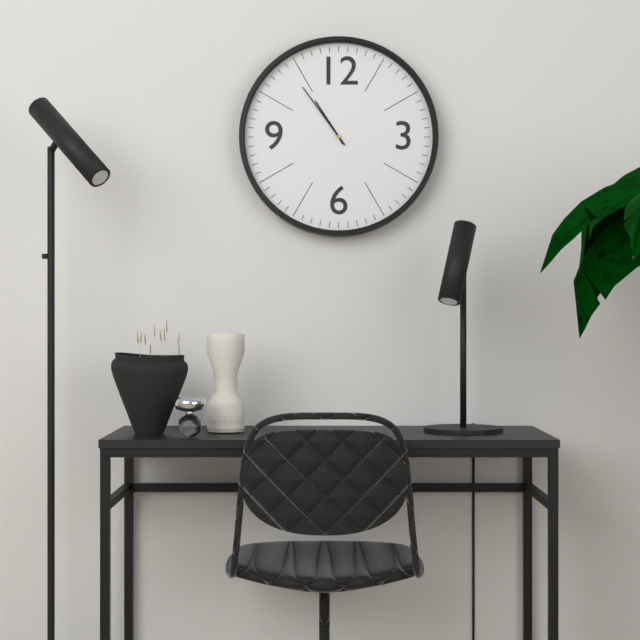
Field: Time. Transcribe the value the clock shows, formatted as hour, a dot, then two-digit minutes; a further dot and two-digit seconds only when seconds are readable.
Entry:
10.54
